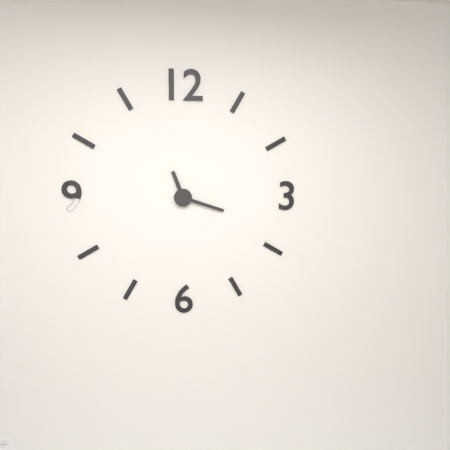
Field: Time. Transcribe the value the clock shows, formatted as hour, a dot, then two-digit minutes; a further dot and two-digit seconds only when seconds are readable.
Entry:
11.18
